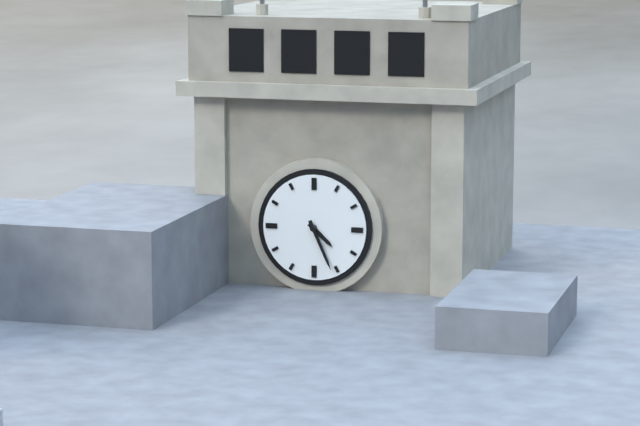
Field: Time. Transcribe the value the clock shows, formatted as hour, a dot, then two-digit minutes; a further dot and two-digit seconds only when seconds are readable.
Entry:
4.26
